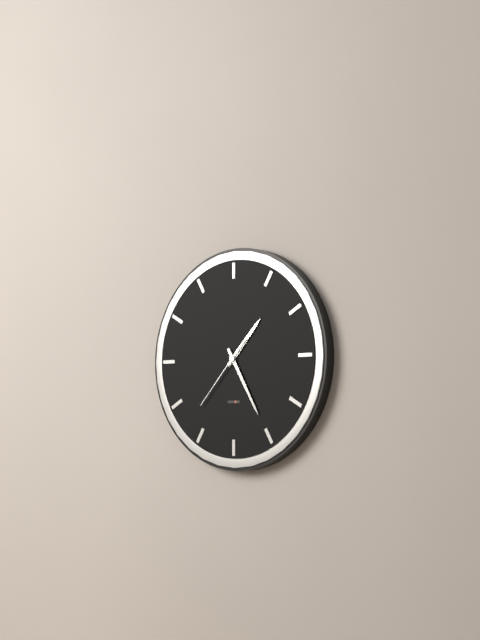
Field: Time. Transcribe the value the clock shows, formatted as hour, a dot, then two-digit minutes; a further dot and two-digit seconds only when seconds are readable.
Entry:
1.25.37
